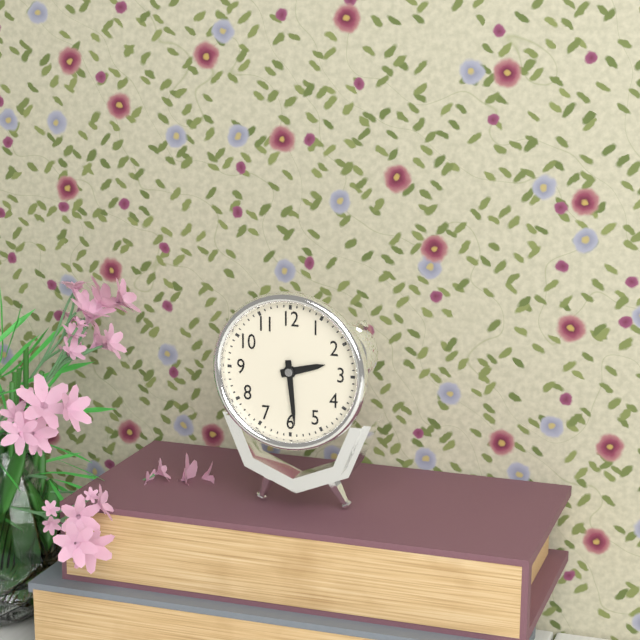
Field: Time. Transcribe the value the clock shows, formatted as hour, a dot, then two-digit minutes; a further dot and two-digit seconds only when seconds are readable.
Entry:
2.29
